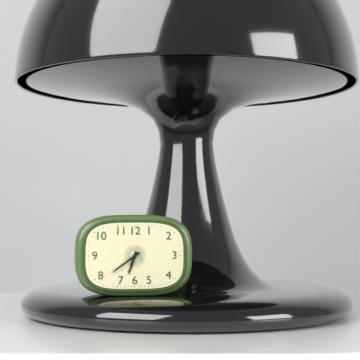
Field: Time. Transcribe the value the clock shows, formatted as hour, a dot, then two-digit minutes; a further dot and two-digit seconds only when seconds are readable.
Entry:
6.39
